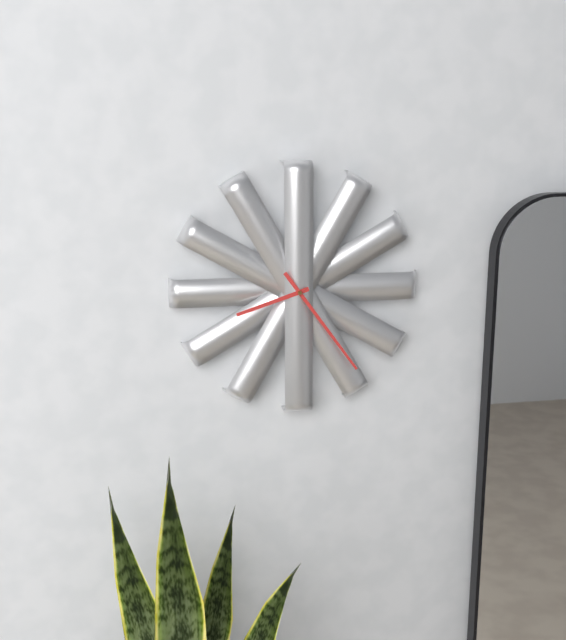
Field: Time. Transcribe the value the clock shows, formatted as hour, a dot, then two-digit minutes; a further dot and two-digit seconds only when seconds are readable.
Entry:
8.24
